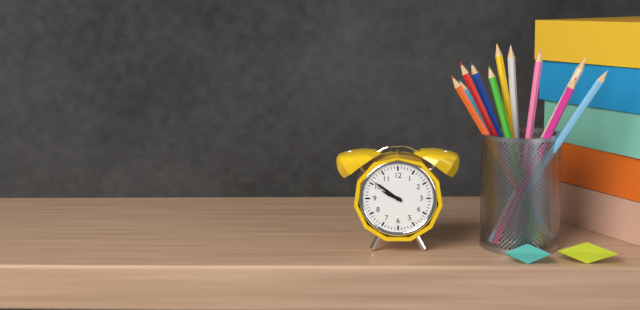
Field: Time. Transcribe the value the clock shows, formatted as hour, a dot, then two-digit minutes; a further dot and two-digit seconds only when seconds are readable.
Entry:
9.51
